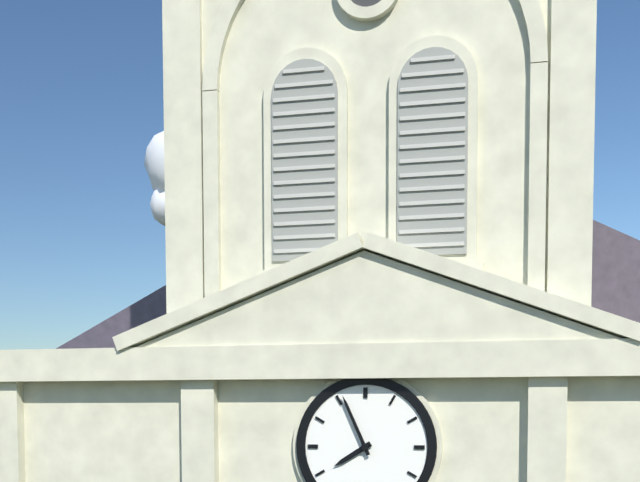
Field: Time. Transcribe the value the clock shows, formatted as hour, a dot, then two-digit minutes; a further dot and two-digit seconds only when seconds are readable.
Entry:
7.56
